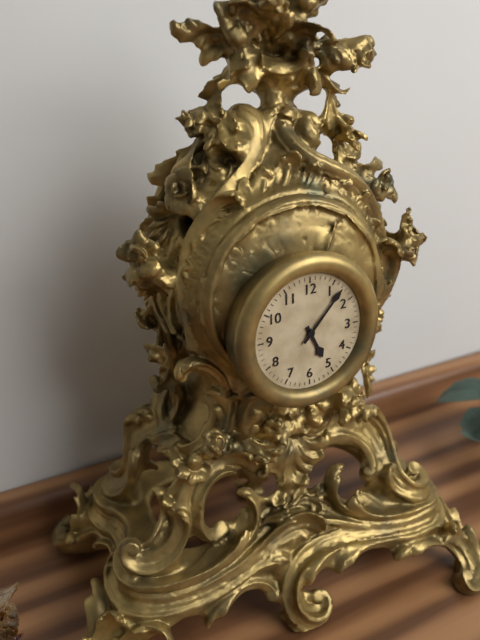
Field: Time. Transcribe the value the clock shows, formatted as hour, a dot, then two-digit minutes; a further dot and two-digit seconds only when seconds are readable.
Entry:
5.07
